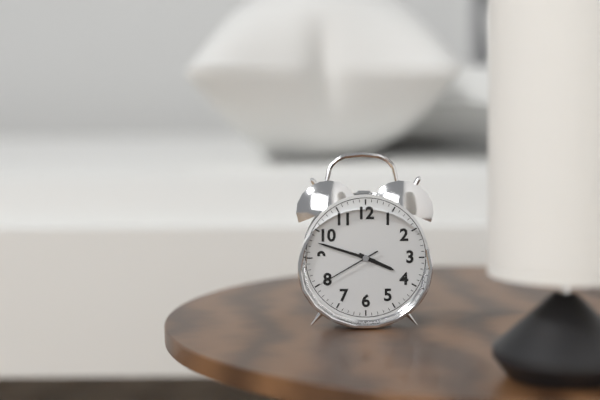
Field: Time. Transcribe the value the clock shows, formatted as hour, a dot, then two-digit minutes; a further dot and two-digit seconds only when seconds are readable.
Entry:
3.48.40
